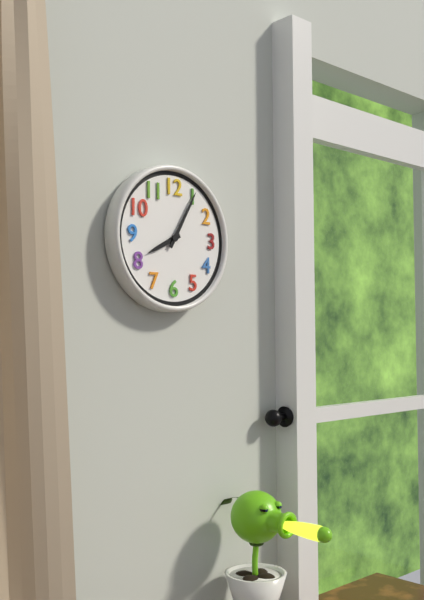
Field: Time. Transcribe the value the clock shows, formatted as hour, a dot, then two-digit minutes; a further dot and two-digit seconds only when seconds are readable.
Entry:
8.05
